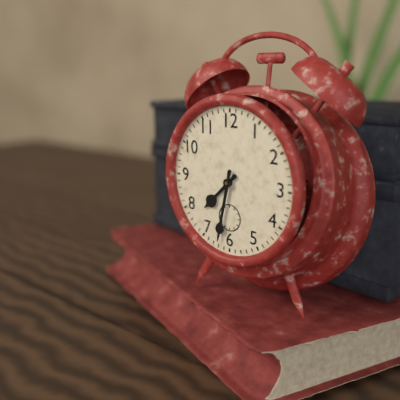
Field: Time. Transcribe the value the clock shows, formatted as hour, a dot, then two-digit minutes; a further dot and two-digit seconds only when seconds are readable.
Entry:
7.32
